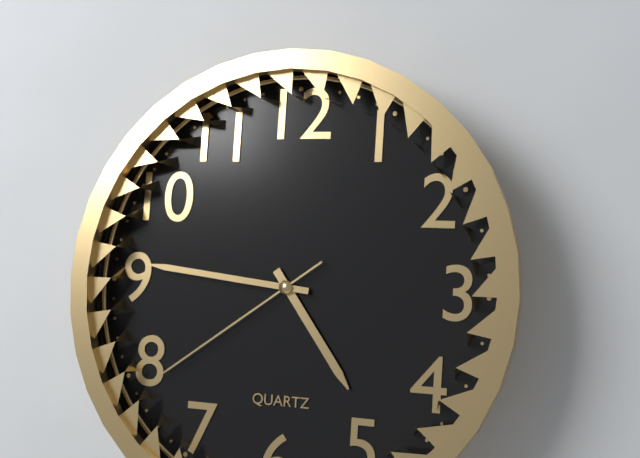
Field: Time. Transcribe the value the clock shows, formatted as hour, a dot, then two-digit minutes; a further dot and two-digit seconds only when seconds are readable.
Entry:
4.46.39
